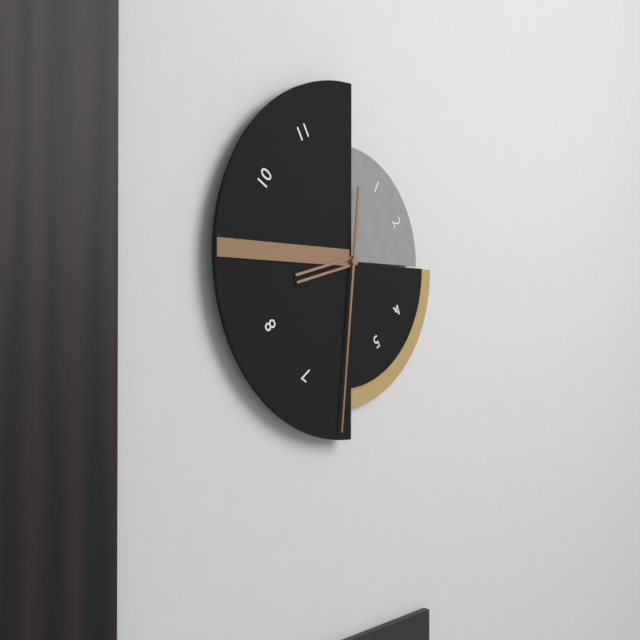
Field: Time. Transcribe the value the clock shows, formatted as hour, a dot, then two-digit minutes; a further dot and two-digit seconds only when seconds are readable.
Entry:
8.31
